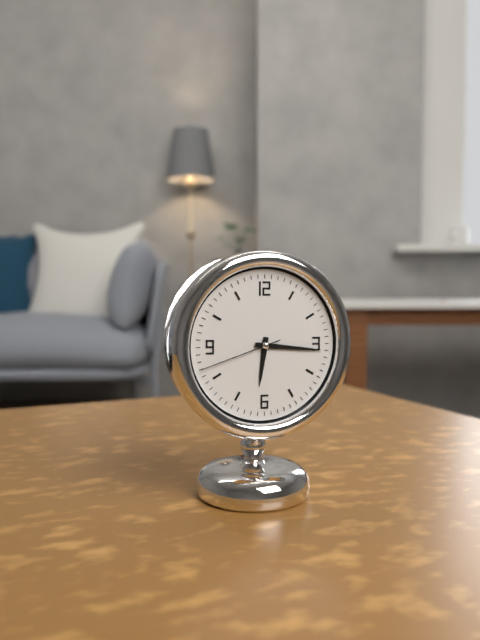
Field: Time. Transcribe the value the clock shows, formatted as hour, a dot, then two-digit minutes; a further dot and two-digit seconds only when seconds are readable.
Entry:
6.16.42
